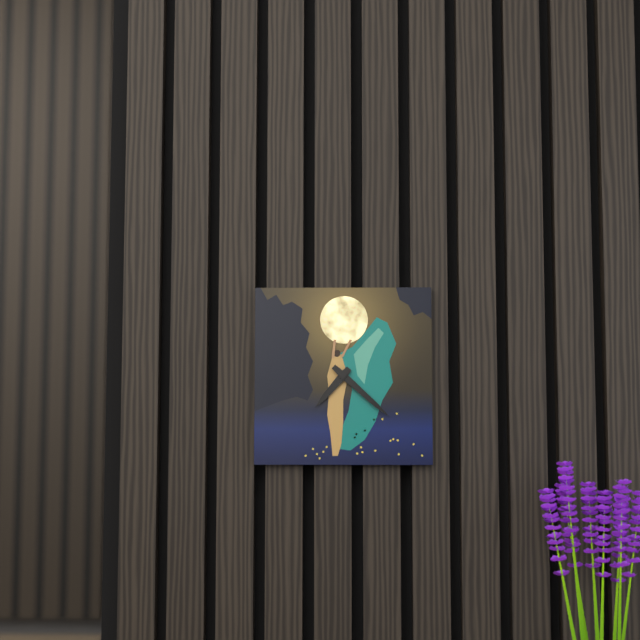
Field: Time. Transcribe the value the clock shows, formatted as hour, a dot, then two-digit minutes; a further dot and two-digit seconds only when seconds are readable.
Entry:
7.22
